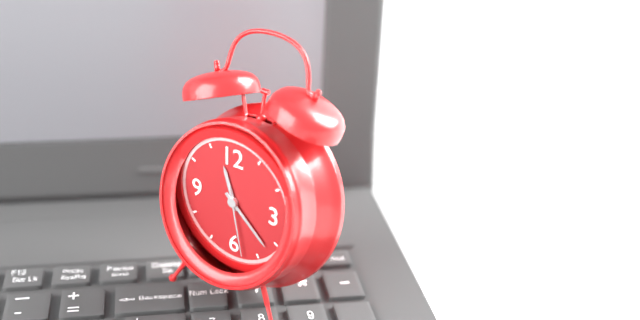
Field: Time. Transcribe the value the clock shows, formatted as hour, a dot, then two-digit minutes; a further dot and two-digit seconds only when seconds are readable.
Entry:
11.22.28
